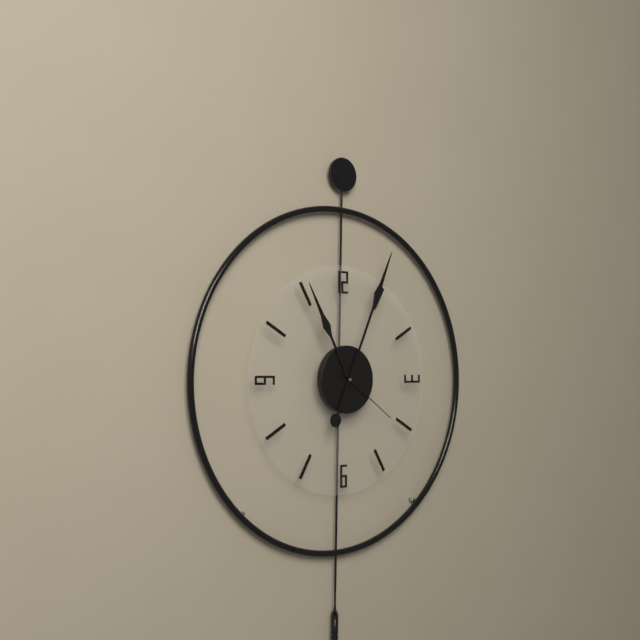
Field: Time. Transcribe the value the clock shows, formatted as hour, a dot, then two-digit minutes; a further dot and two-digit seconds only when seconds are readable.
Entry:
11.04.21
